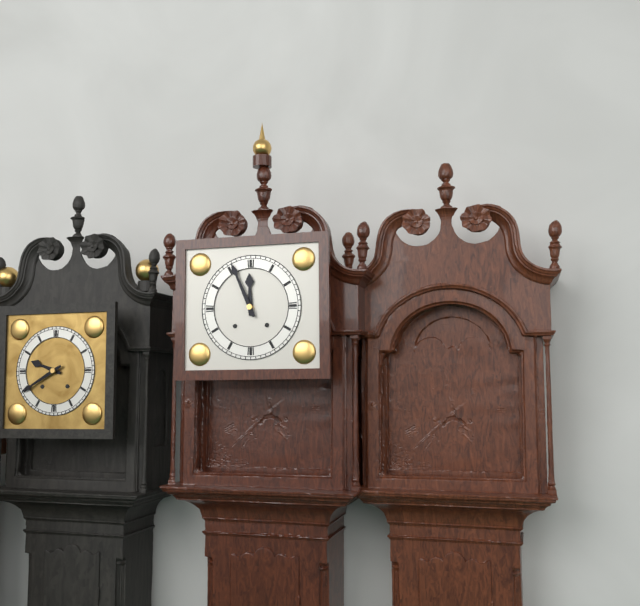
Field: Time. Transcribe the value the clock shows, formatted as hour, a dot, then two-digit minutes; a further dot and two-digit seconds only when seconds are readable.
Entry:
11.56
